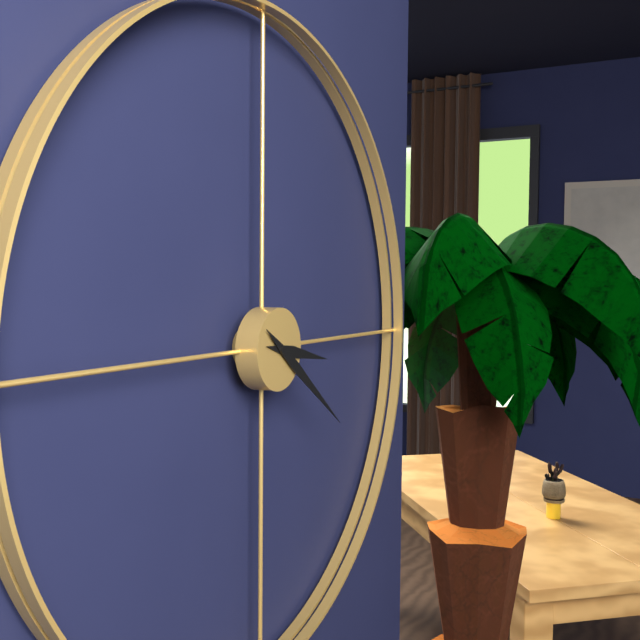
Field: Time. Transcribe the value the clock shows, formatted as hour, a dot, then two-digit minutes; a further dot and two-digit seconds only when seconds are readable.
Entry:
3.21
